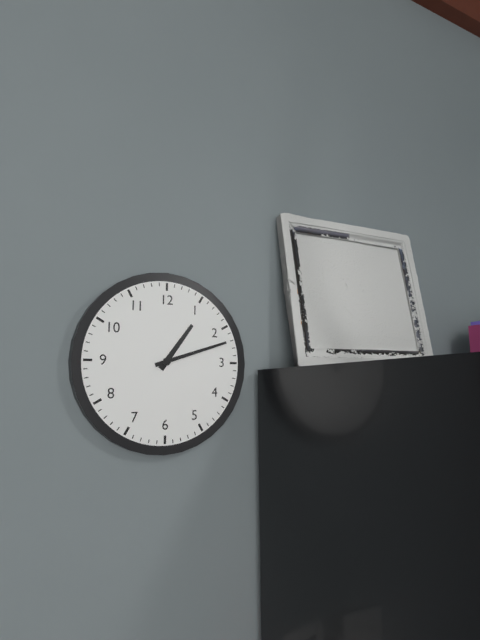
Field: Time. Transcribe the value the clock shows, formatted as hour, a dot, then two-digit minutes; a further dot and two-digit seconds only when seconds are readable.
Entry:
1.12
